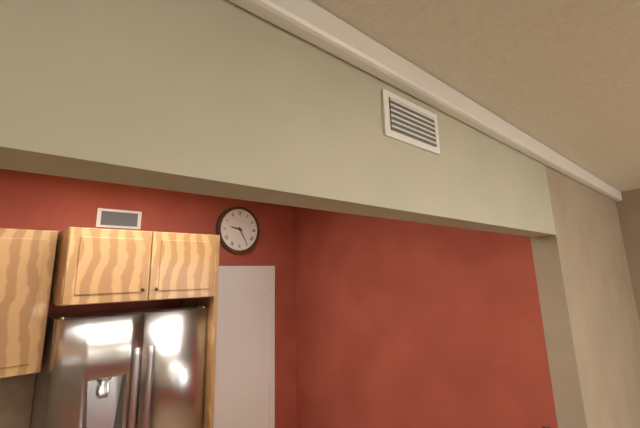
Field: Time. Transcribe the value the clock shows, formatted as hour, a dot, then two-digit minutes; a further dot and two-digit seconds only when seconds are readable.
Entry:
9.25
